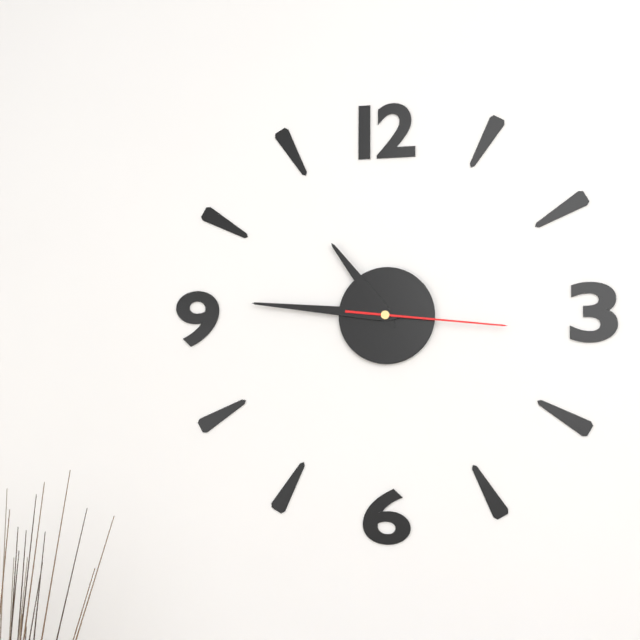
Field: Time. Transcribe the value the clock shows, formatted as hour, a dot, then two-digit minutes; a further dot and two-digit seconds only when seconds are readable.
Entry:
10.46.16
